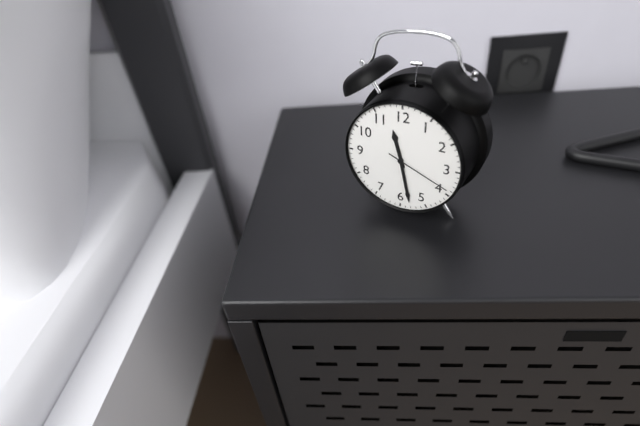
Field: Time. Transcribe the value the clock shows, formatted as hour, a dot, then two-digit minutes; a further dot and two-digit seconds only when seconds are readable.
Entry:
11.28.19
